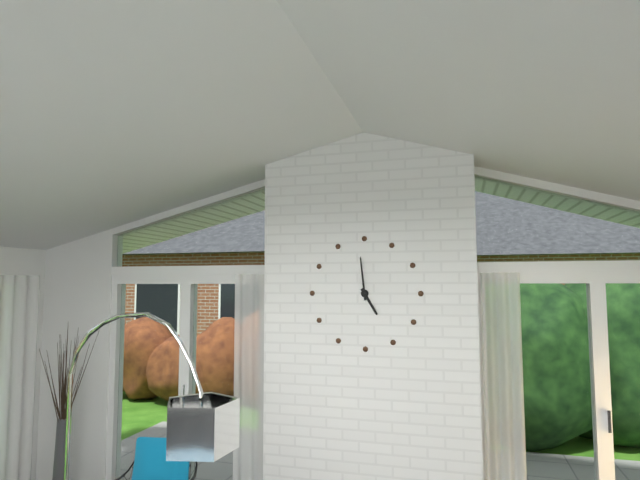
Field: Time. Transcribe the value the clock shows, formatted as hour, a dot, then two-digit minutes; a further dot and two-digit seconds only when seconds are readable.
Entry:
4.59
